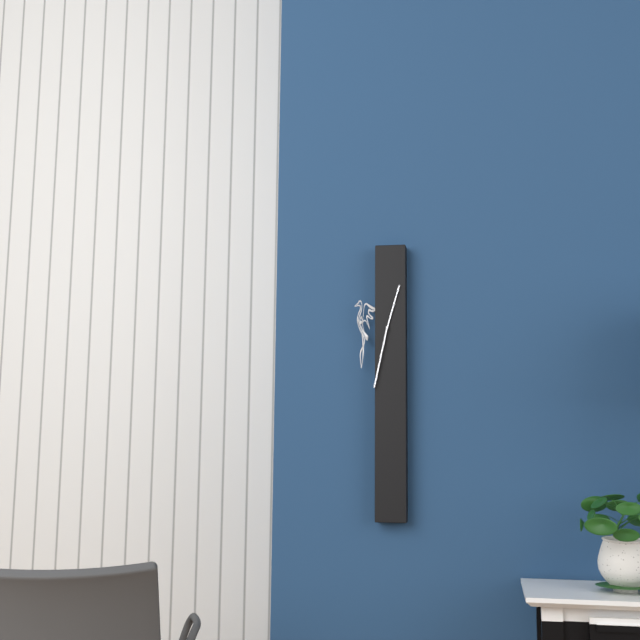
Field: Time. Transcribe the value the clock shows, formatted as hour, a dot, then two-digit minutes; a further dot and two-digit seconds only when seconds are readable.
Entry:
12.32
